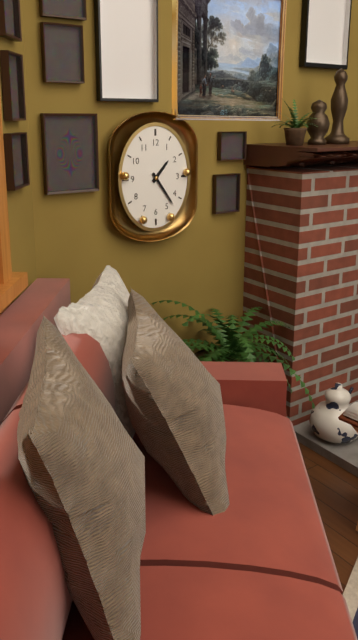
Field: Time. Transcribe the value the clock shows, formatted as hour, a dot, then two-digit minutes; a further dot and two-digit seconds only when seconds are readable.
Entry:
1.24
